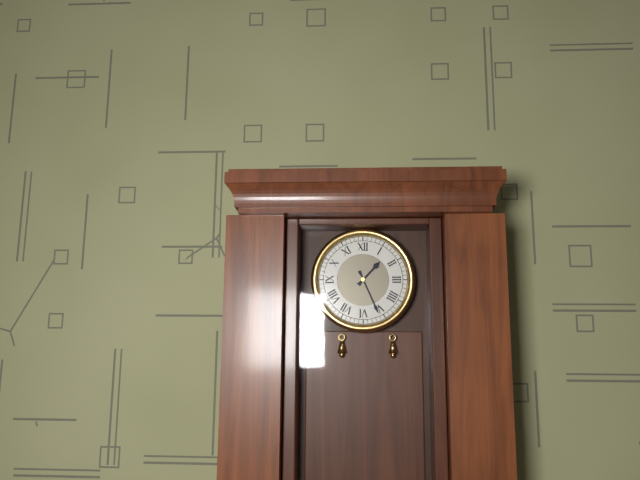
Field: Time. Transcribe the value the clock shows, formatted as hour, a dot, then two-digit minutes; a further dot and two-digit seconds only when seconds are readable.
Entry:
1.26
